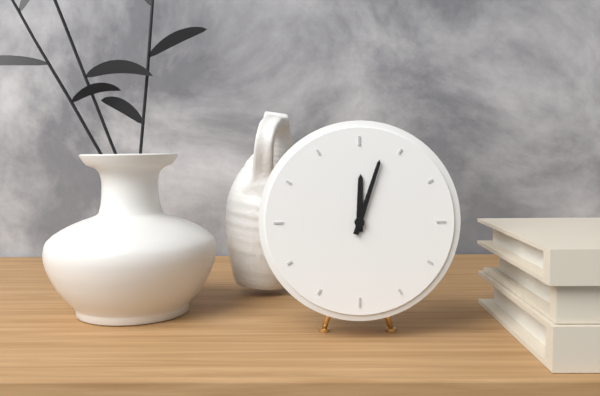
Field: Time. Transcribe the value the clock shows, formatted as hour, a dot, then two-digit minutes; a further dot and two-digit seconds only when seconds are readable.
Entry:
12.03
